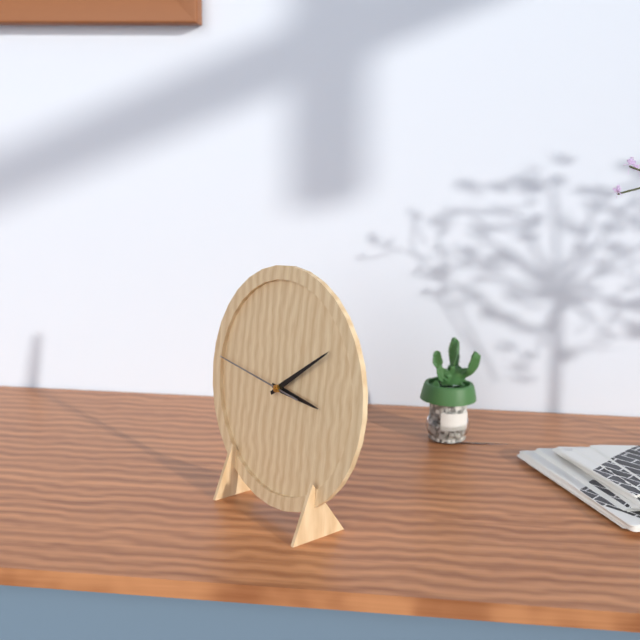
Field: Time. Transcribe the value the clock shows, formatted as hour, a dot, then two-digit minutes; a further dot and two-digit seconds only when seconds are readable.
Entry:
3.09.46
